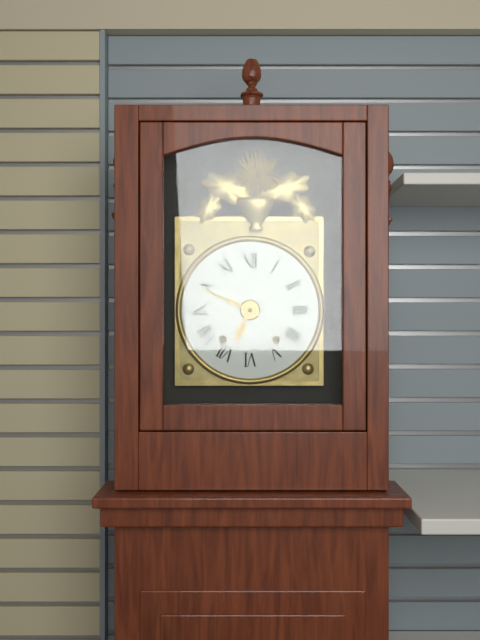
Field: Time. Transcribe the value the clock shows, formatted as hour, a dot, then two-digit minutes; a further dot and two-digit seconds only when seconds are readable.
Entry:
6.49
